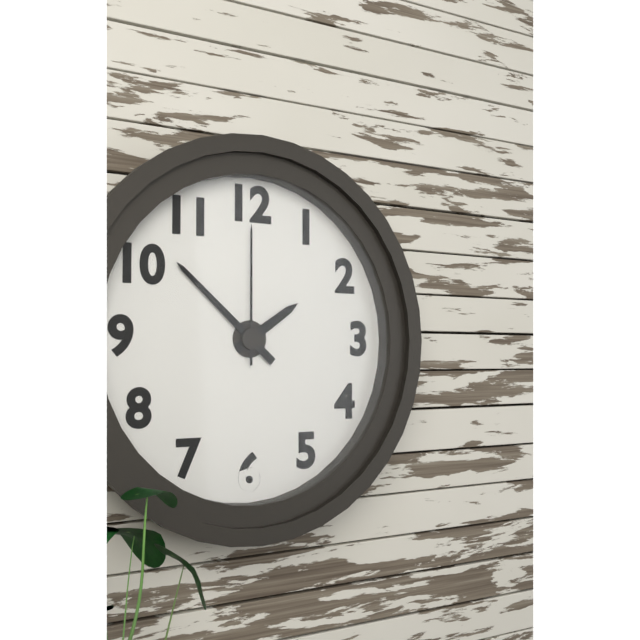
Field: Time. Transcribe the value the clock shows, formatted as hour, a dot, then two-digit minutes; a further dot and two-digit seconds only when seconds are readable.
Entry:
1.52.00
